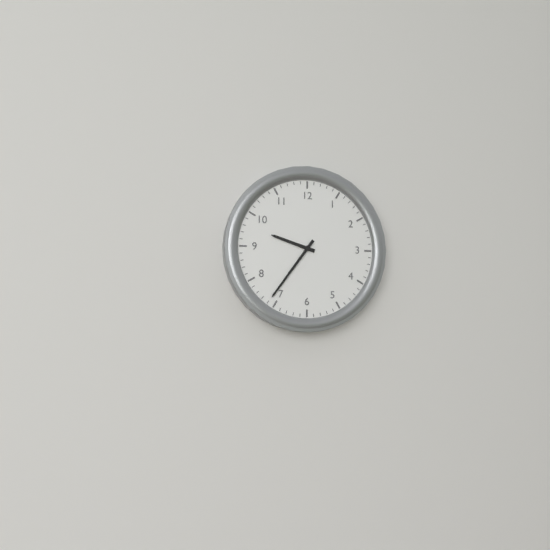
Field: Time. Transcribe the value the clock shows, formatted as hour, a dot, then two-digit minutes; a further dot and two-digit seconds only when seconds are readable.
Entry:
9.36
